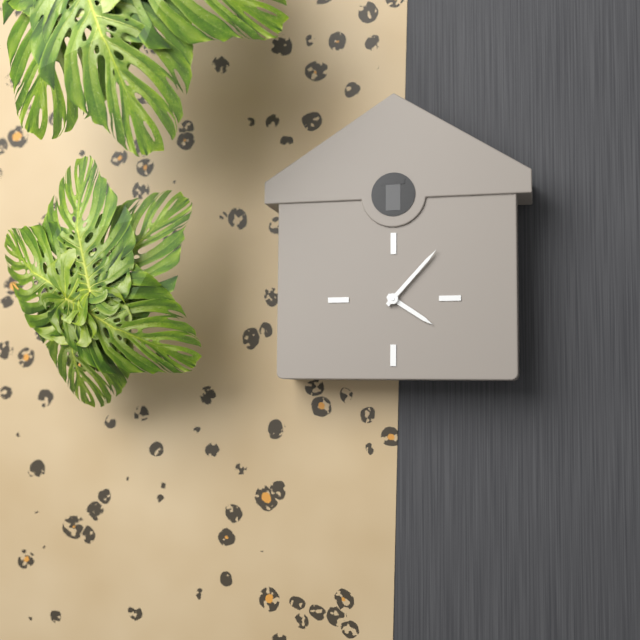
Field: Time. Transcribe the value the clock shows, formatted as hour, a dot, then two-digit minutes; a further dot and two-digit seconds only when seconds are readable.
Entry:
4.07
